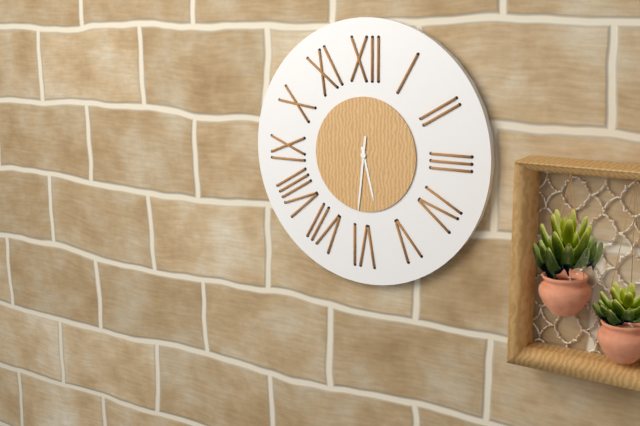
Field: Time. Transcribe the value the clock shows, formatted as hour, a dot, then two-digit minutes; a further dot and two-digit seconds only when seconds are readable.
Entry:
5.31
